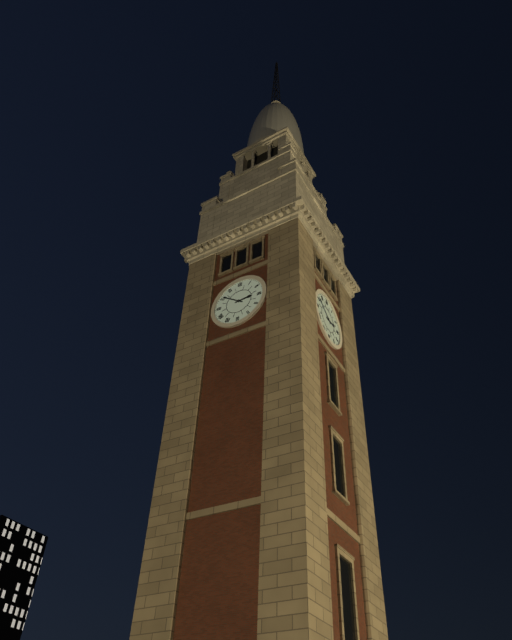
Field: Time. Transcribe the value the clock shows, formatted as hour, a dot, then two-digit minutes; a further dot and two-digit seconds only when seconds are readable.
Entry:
2.51
